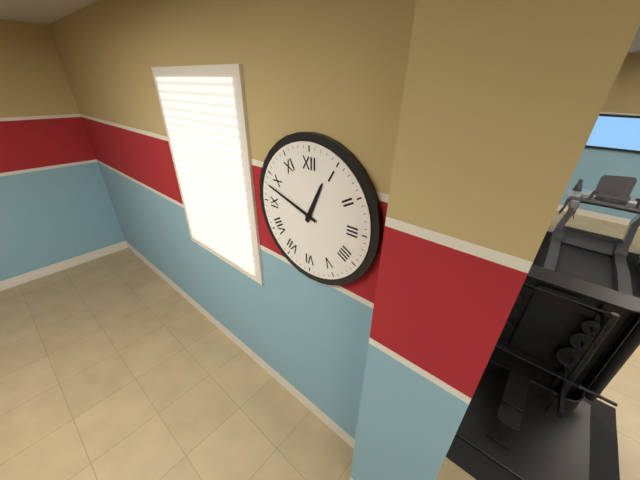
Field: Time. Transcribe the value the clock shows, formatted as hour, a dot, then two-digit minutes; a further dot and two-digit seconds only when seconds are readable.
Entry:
12.48
